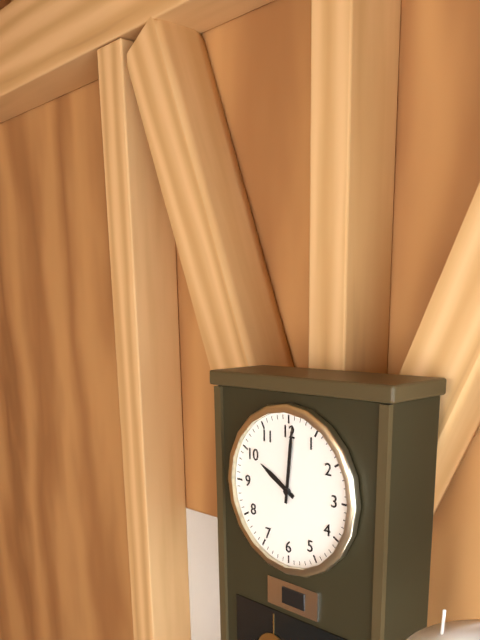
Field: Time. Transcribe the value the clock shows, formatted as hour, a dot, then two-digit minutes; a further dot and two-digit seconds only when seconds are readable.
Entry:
10.01
